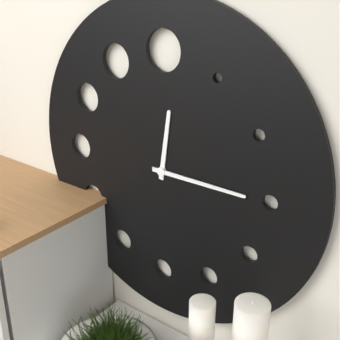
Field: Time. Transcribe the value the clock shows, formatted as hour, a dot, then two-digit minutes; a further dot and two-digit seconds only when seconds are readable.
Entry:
12.15
